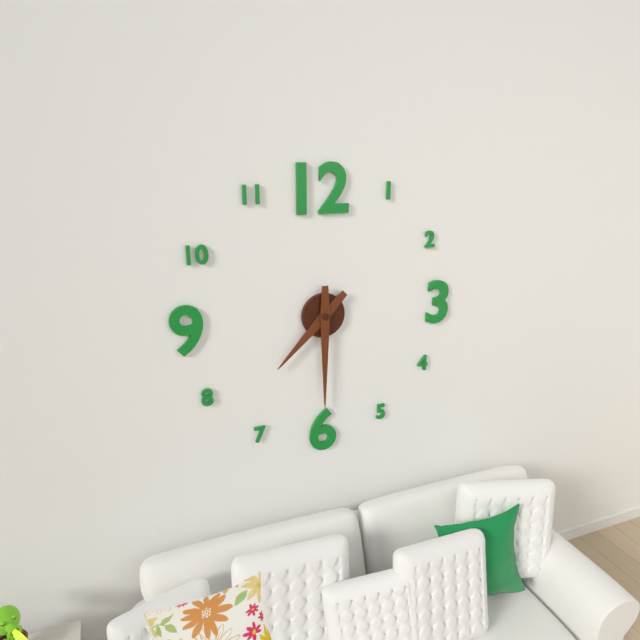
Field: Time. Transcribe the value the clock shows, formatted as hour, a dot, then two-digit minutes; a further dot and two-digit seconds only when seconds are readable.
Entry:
7.30
